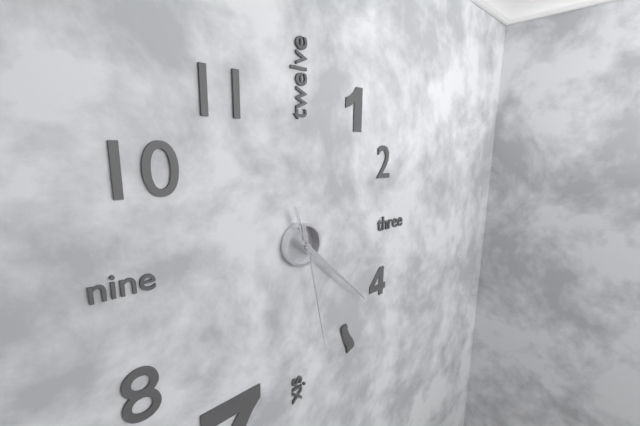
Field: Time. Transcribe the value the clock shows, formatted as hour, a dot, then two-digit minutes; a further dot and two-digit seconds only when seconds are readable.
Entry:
11.22.28
